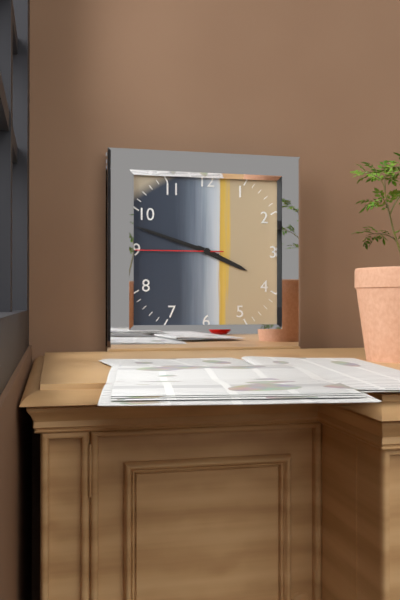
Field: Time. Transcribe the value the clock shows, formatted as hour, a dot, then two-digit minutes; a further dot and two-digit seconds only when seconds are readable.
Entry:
3.48.45
